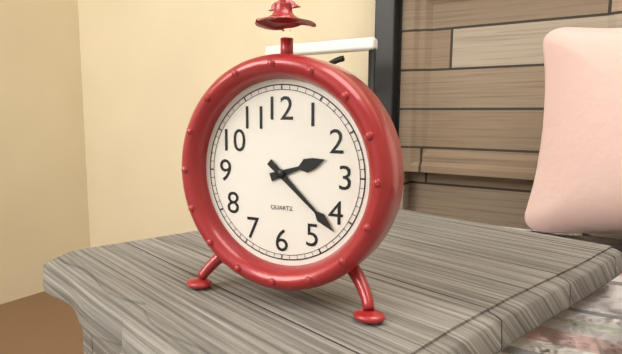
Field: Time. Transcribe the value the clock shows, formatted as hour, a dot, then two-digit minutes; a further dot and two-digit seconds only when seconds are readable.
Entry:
2.22
